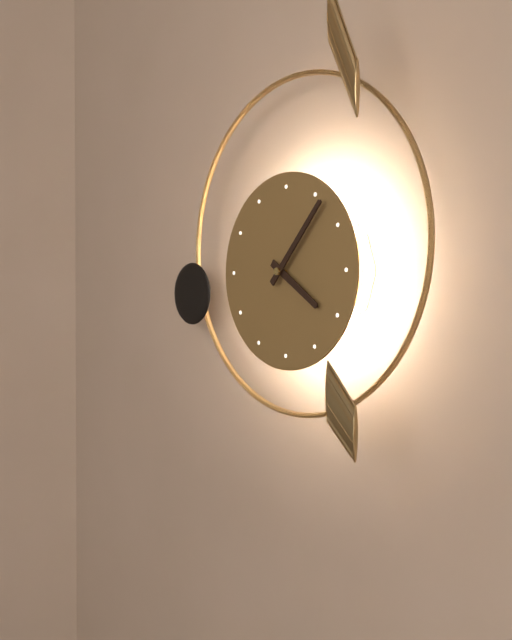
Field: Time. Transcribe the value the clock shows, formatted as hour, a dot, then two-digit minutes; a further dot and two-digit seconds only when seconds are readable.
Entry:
4.07
